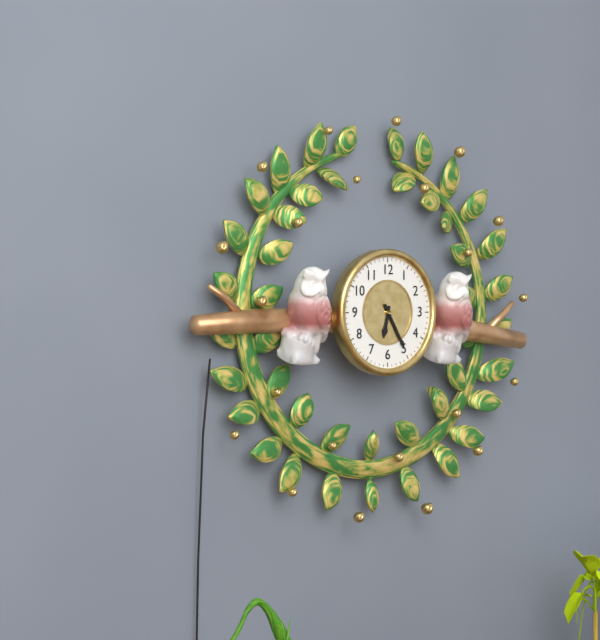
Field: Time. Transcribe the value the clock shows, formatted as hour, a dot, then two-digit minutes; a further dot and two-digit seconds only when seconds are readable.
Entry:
6.25
